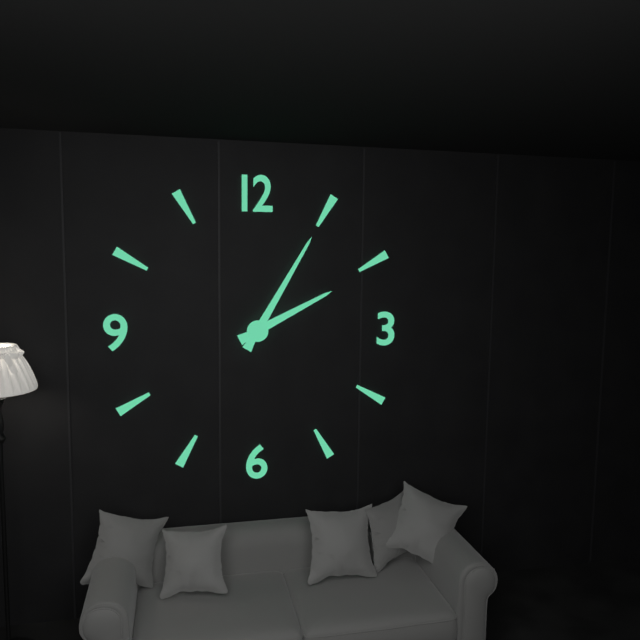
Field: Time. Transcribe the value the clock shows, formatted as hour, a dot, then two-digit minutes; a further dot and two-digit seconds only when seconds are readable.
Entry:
2.05
